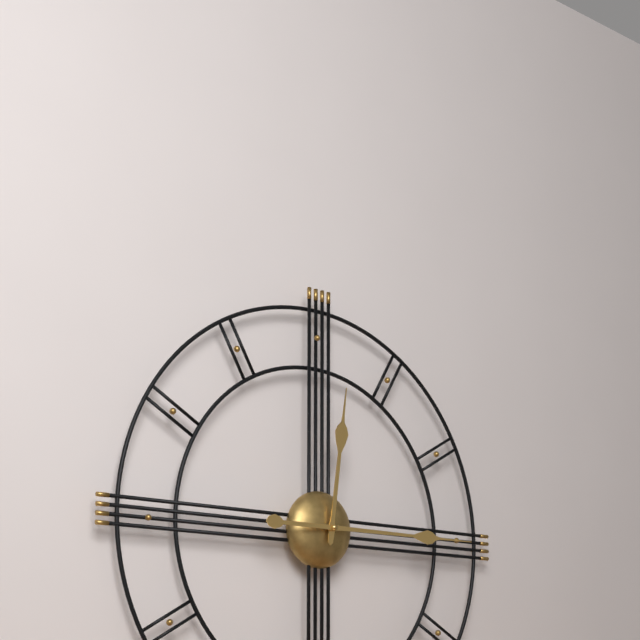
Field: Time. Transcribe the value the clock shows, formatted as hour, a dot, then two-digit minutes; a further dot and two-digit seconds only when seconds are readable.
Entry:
12.15
